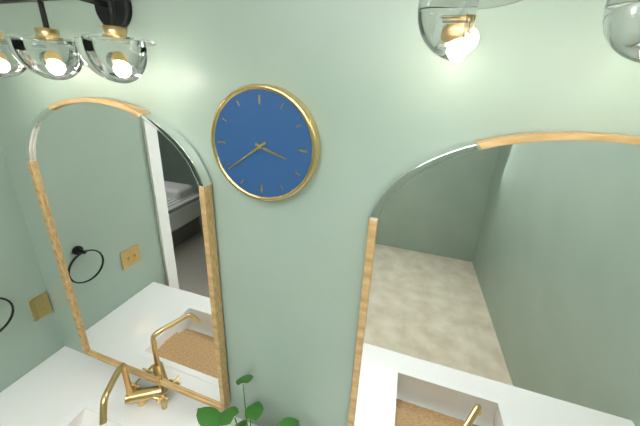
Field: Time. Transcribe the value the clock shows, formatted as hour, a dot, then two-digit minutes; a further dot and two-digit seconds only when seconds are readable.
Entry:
3.39
